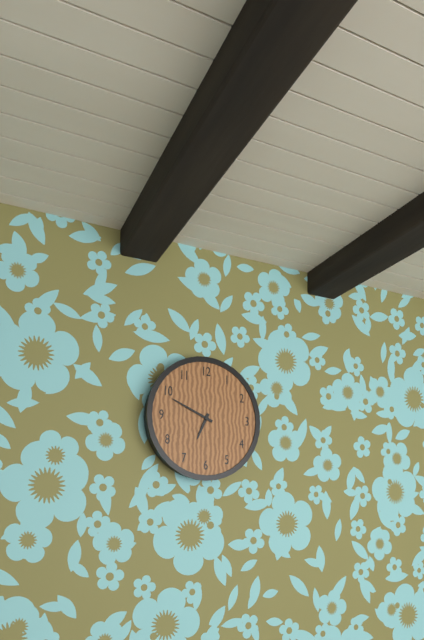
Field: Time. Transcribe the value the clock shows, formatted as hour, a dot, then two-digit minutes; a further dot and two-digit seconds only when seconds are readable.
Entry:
6.49
